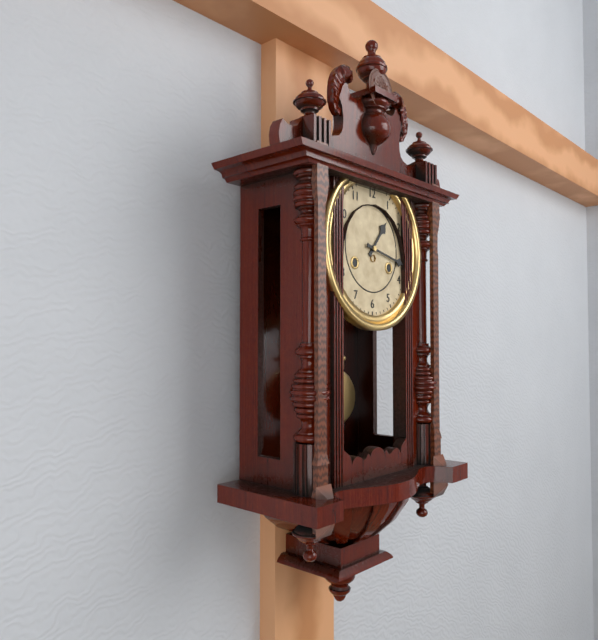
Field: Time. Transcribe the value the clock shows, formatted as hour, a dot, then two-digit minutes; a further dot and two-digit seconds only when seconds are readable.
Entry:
1.17
